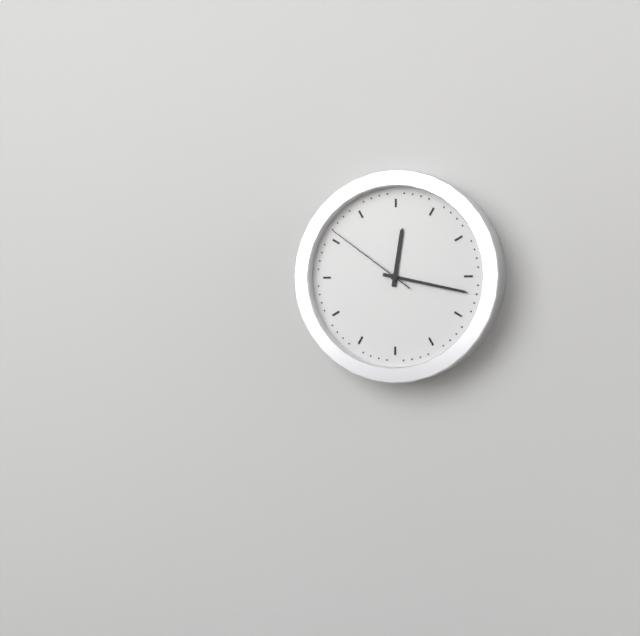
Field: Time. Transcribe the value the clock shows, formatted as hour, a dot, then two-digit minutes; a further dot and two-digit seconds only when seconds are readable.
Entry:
12.17.51
